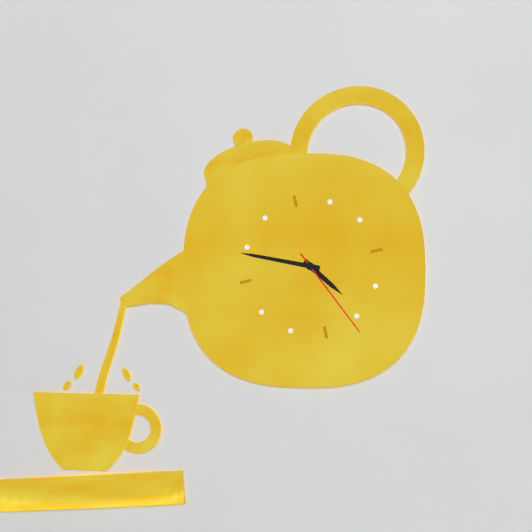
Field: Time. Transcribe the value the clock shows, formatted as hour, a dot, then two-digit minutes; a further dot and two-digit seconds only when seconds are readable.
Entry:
4.49.26
